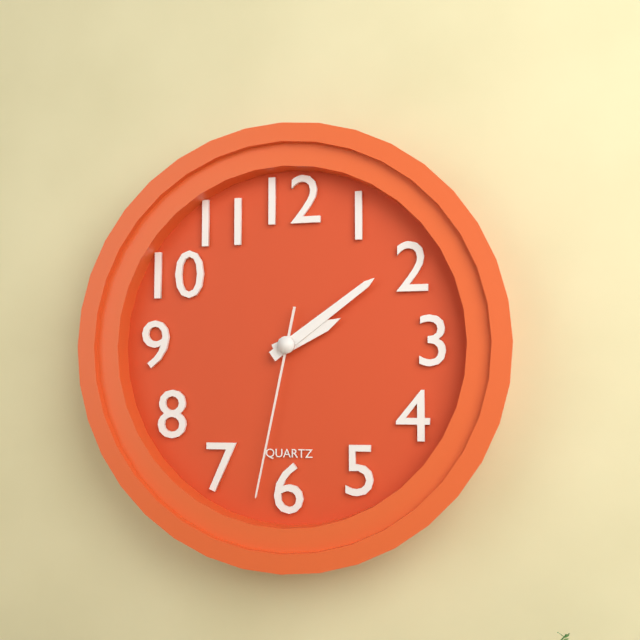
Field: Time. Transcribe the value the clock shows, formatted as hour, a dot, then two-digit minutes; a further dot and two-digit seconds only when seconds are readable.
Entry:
2.09.32
